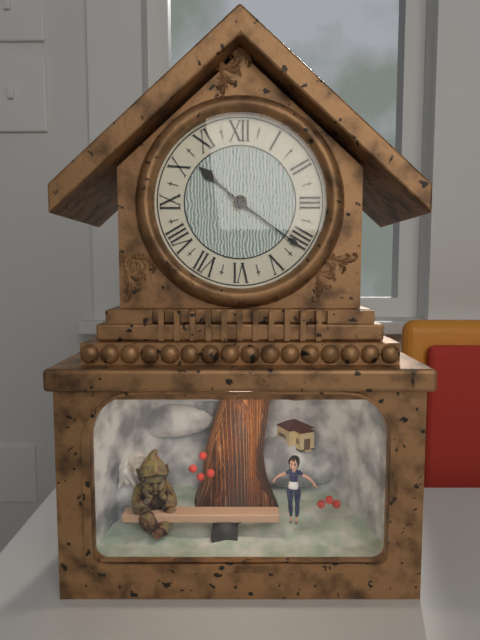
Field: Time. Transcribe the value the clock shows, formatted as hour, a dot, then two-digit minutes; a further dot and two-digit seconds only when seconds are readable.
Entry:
10.21
